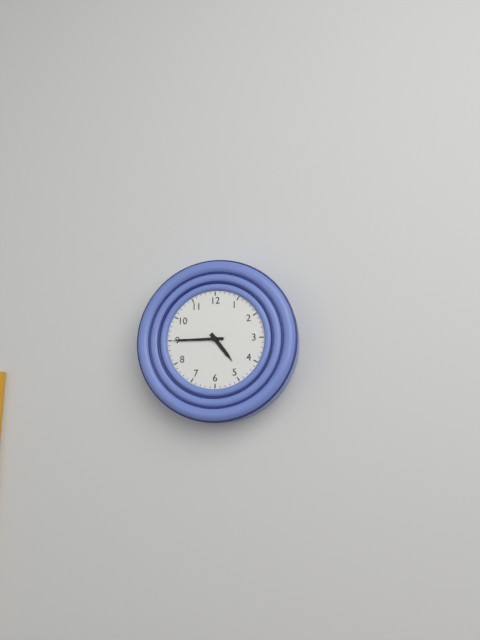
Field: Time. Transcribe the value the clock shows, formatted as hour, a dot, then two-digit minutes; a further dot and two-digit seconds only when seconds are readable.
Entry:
4.45
